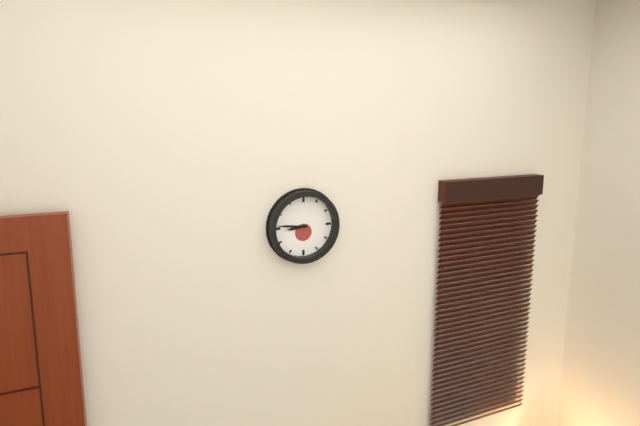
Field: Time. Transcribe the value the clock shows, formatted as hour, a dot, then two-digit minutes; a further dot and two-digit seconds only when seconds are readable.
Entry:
8.46
